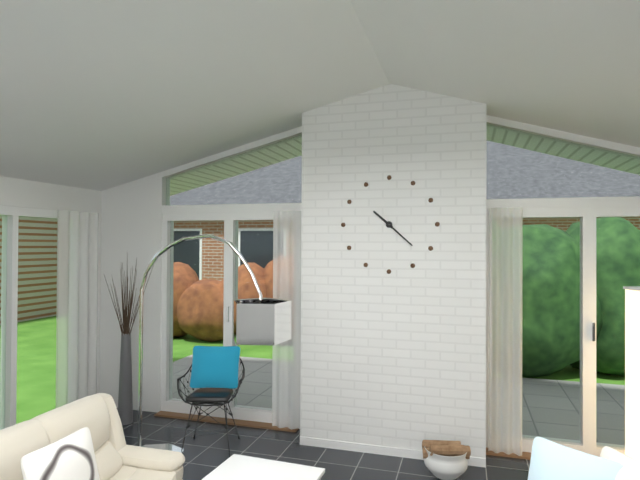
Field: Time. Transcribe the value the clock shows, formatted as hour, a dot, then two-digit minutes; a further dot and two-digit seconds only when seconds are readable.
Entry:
10.22
